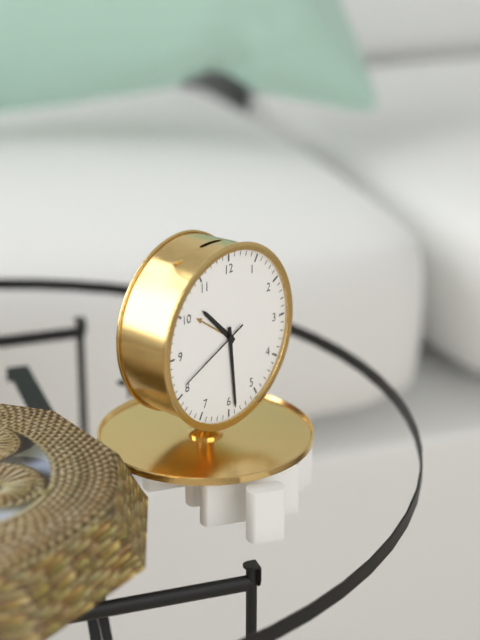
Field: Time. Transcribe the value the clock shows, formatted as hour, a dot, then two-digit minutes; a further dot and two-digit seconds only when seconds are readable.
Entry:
10.29.41
